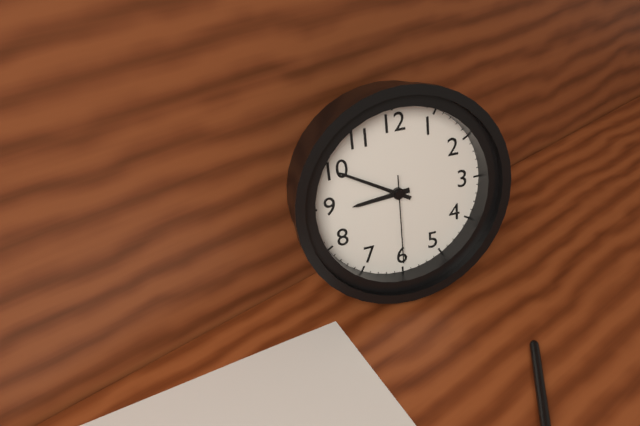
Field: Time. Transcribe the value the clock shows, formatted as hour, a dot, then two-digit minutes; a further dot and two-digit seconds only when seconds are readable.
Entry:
8.50.30
